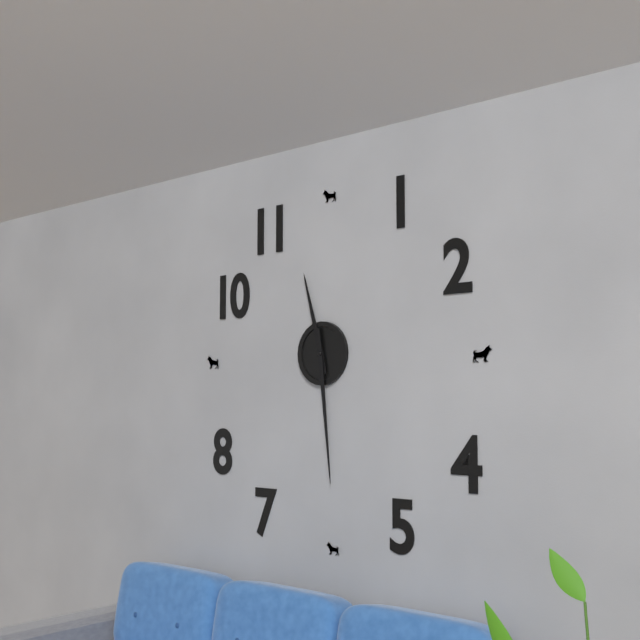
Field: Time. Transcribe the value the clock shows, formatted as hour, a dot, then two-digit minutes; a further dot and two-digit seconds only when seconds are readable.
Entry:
11.29
